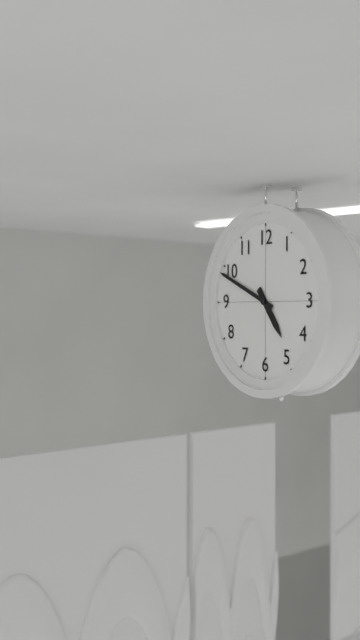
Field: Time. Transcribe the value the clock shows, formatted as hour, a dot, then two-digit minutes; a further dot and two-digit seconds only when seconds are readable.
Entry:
4.49
